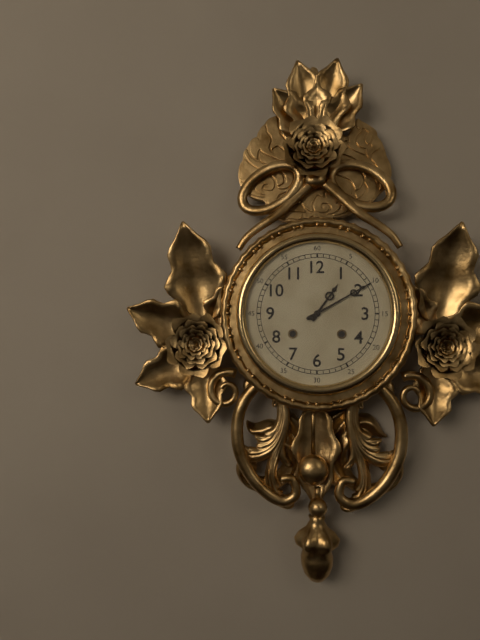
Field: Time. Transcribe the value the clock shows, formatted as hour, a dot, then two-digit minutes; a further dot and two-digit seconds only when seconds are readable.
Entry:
1.10
